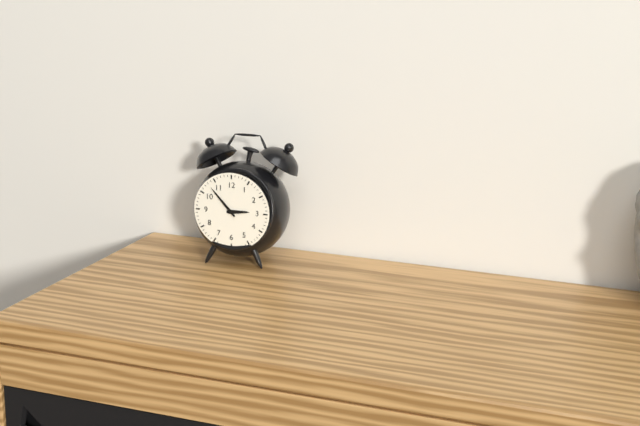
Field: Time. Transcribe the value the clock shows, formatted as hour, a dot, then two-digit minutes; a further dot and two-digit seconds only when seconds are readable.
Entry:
2.53
